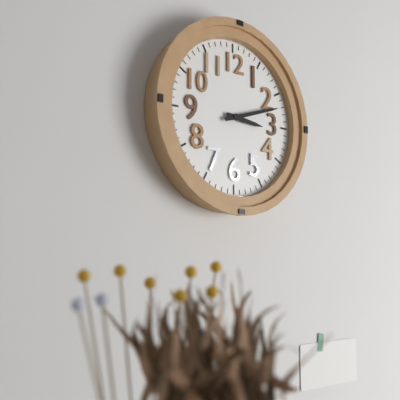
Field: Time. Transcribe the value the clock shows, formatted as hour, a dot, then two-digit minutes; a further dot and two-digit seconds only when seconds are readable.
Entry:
3.12
